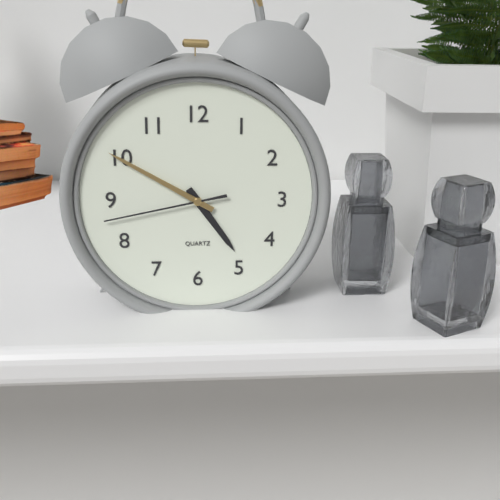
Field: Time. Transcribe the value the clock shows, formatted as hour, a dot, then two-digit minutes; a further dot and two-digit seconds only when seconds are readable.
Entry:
4.50.43
